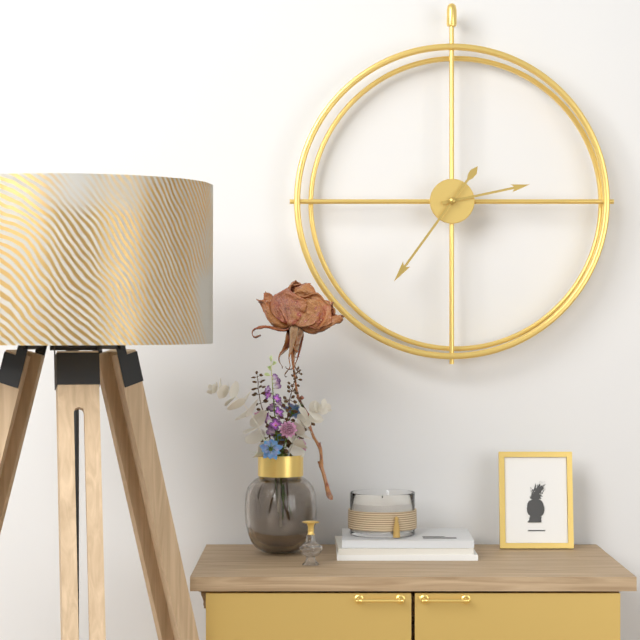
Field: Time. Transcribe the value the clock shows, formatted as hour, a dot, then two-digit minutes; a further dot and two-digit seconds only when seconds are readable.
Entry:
2.36
